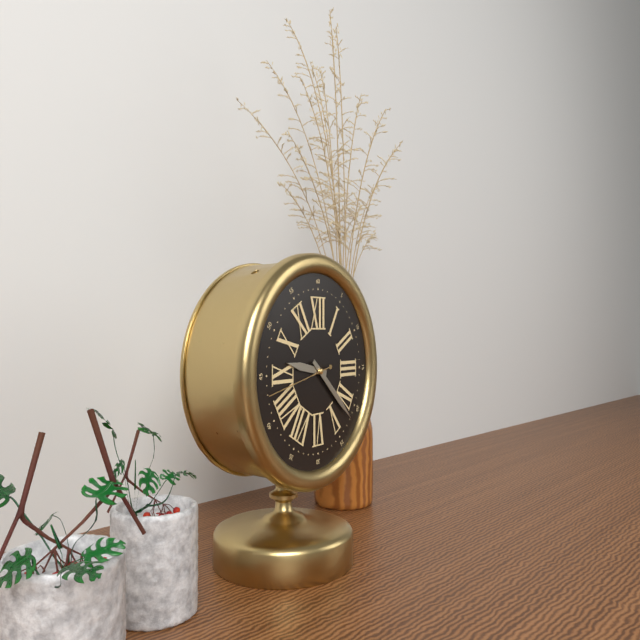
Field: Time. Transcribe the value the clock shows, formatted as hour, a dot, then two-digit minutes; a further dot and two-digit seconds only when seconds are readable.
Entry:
9.22.43
